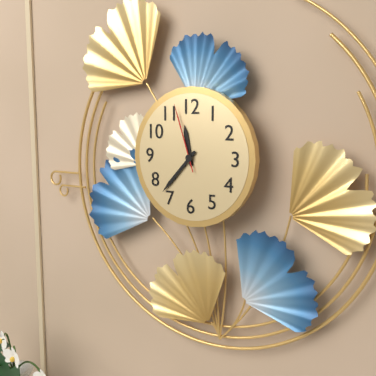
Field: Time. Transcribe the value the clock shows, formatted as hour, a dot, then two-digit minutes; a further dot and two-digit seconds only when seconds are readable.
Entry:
11.37.57
